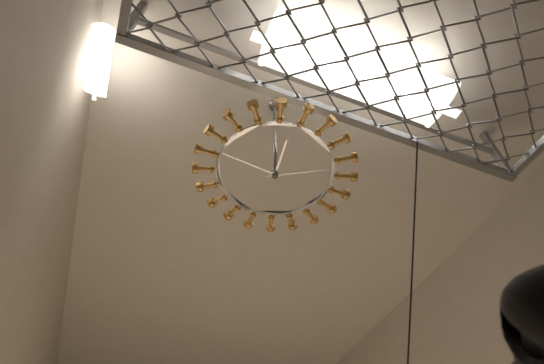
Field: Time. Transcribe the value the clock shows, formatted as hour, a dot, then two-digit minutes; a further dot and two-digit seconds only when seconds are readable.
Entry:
11.46.10
